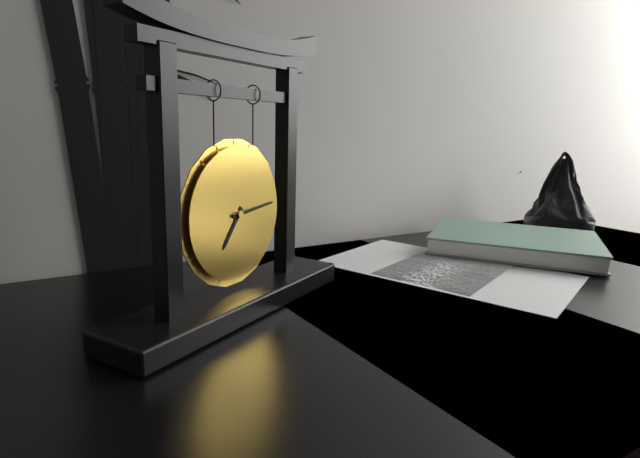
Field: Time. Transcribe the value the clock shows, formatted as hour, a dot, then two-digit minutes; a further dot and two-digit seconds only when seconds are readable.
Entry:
7.14
